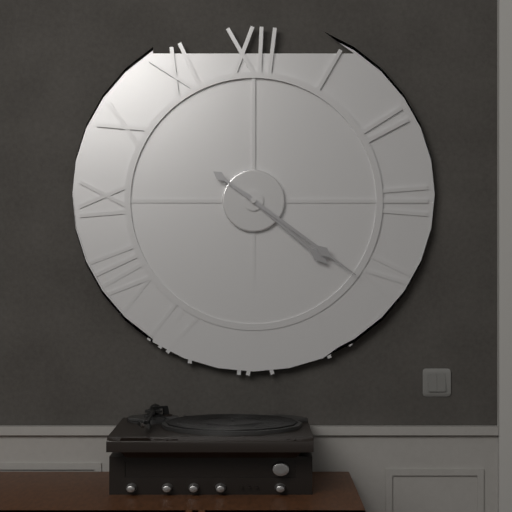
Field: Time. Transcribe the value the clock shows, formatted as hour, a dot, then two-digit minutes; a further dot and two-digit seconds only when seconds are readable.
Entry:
4.21
